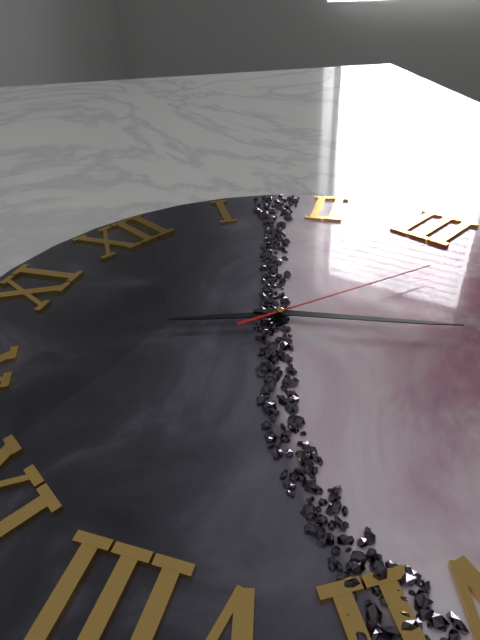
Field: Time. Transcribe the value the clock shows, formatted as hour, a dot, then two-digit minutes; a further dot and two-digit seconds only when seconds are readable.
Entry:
10.24.18
